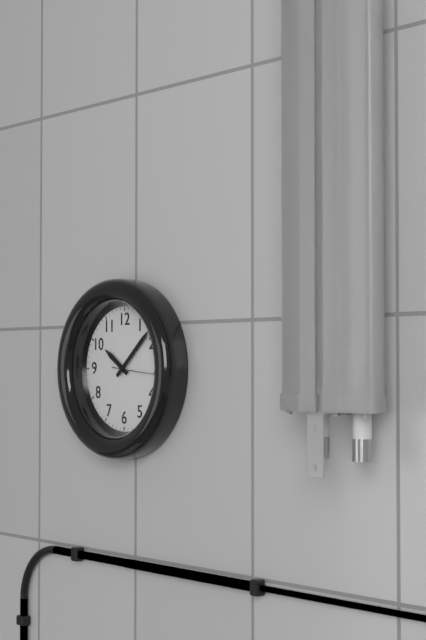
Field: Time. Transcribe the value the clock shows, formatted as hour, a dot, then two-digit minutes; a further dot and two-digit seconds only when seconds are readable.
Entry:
10.08
